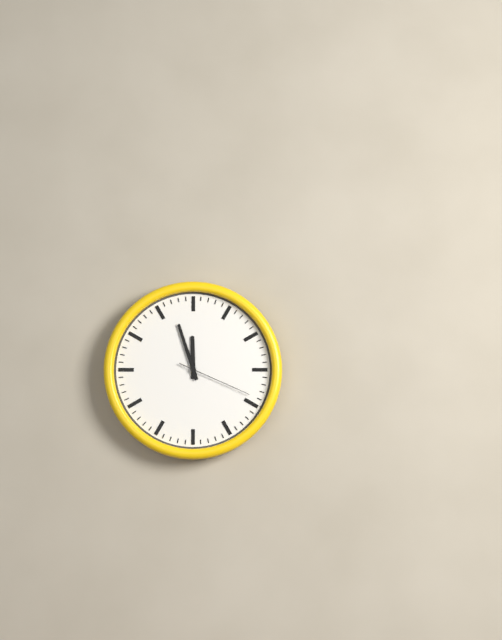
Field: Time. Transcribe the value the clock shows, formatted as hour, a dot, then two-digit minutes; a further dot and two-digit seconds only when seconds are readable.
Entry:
11.57.19
